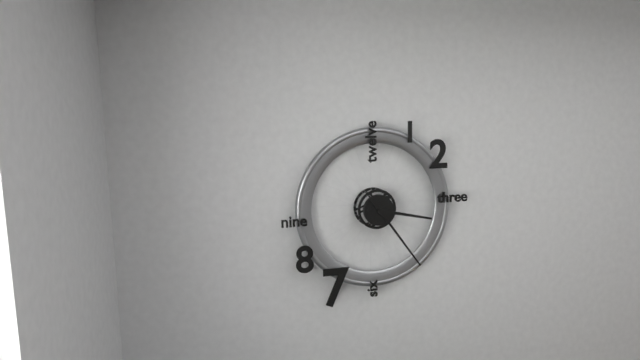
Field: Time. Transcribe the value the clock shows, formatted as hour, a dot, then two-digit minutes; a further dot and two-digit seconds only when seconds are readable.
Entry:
3.24
